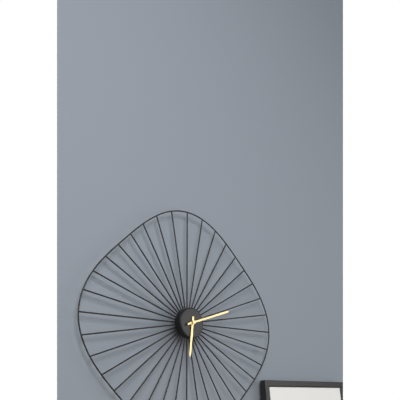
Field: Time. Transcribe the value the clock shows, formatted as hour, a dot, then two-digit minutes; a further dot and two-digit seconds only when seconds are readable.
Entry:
6.12
